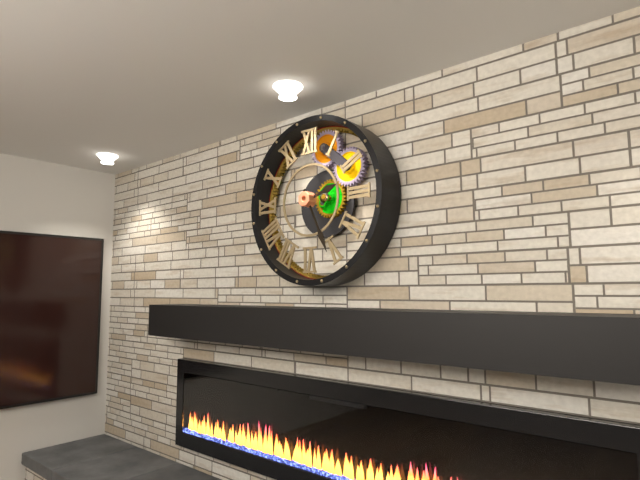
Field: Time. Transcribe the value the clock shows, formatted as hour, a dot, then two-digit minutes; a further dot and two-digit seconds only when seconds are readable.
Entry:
2.26
